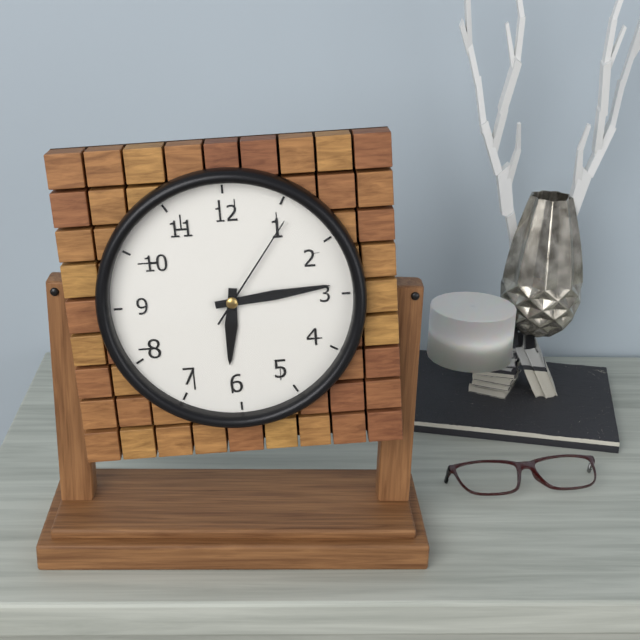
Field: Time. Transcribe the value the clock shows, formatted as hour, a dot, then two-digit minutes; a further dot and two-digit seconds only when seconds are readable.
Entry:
6.14.06
